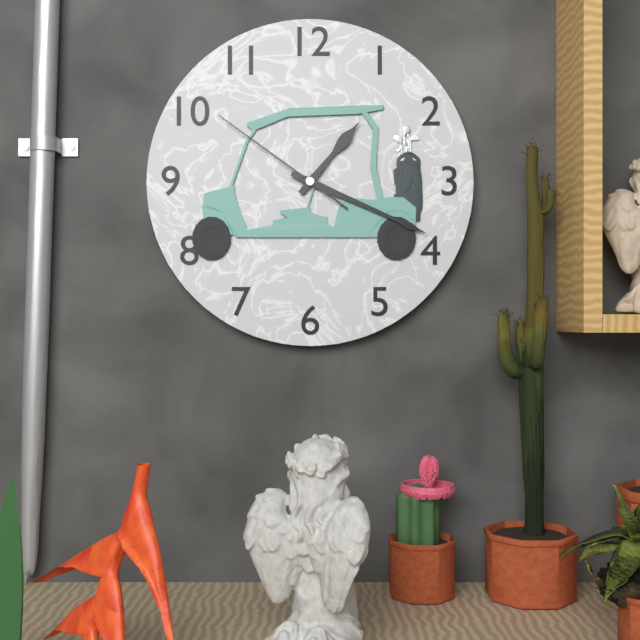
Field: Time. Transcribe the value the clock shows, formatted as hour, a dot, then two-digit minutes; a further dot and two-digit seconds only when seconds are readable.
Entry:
1.19.51
